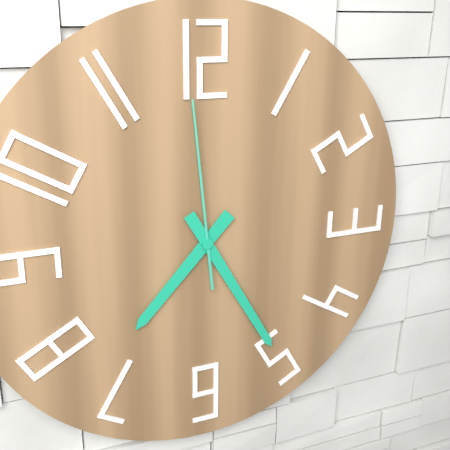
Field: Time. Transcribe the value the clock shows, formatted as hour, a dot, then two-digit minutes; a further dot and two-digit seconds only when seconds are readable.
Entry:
7.25.59
